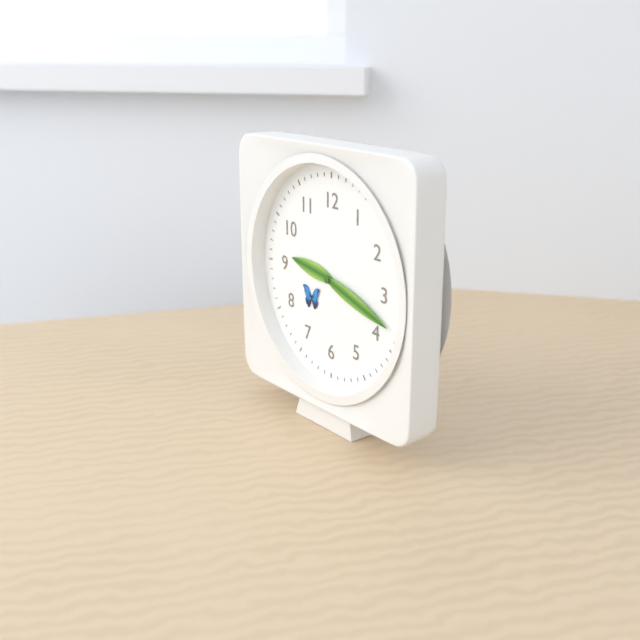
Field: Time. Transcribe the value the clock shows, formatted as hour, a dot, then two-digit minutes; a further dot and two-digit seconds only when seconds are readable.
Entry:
9.18
